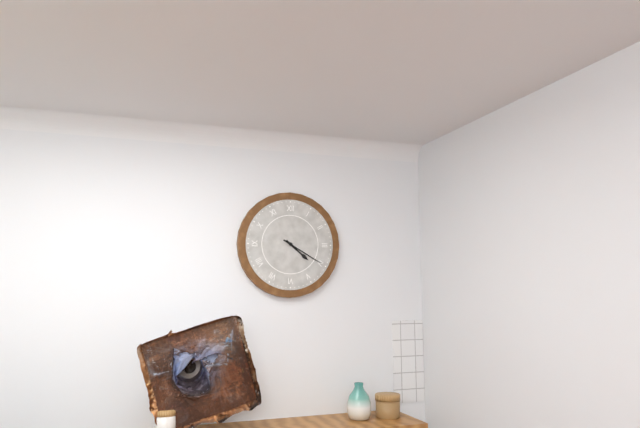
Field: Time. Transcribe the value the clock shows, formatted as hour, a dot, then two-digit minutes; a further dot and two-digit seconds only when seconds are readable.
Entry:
4.20
